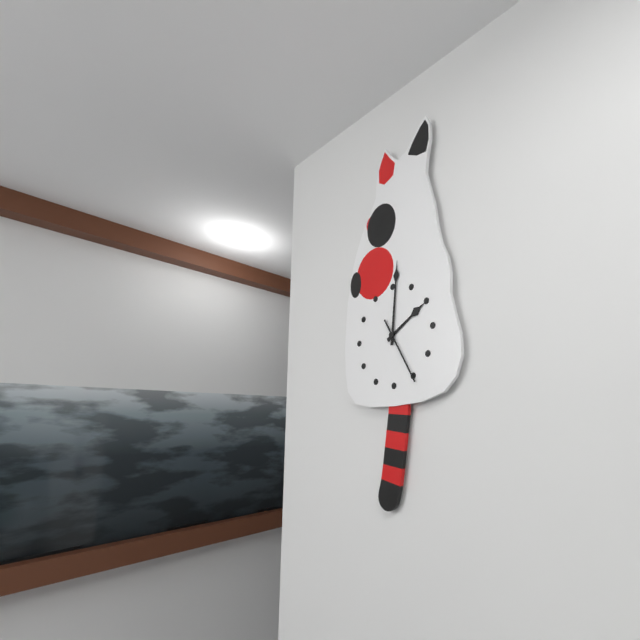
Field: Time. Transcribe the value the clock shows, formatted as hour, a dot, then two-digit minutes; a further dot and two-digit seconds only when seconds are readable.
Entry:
2.01.25
